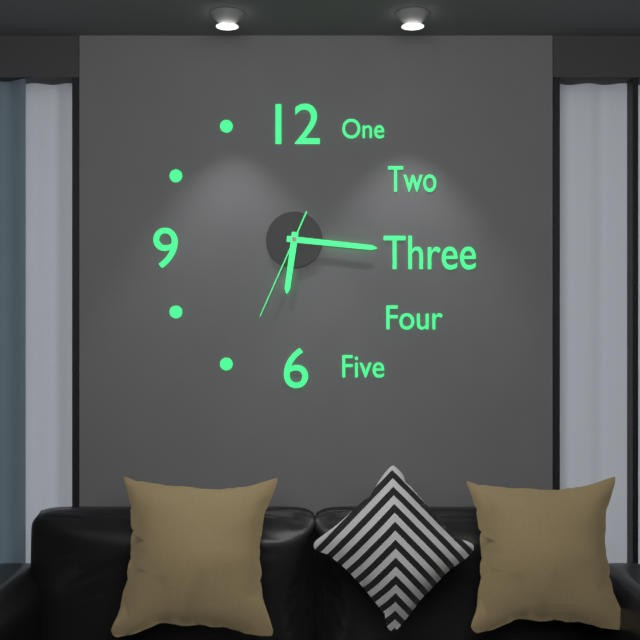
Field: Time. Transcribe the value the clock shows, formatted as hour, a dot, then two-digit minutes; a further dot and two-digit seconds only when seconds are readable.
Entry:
6.16.34
